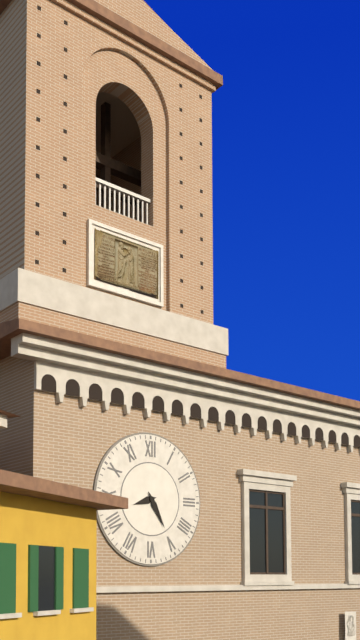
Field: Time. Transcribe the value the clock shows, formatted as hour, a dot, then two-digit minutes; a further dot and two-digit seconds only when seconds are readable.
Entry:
8.25
